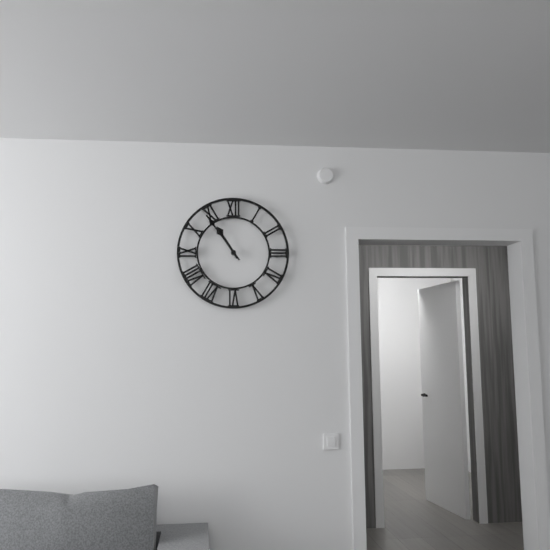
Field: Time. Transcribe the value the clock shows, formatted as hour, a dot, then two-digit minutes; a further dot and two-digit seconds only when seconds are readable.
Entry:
10.54
